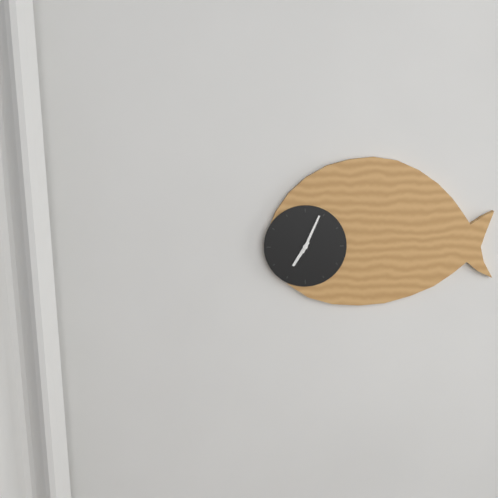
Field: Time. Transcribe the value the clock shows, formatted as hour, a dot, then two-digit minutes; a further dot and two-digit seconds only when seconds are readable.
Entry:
7.04
